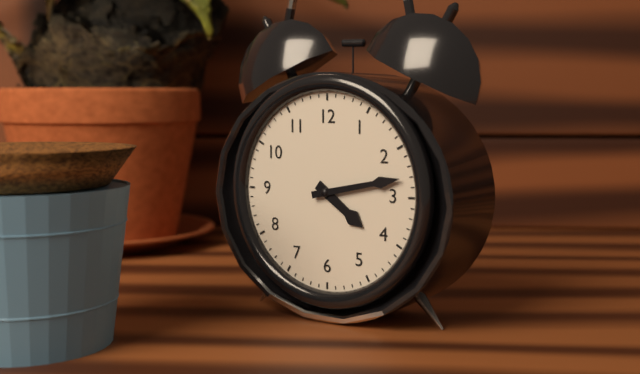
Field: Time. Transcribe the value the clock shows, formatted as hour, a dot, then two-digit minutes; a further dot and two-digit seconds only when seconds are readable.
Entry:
4.13
